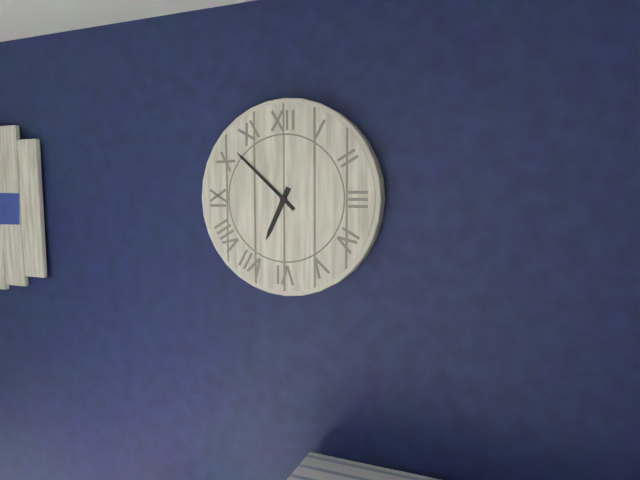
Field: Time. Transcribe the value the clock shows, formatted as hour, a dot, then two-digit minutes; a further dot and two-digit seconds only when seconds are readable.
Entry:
6.52
